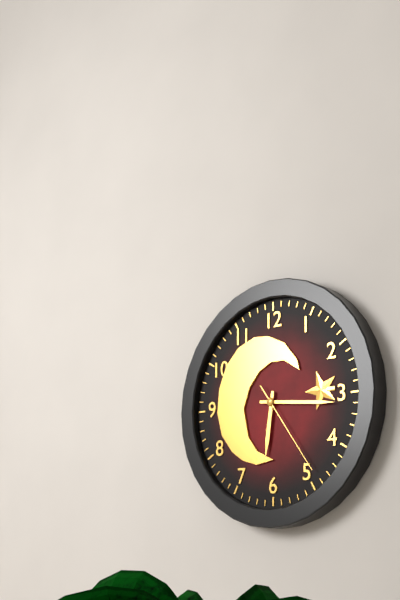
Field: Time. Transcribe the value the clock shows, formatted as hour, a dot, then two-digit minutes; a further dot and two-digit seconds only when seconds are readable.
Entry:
6.16.24
